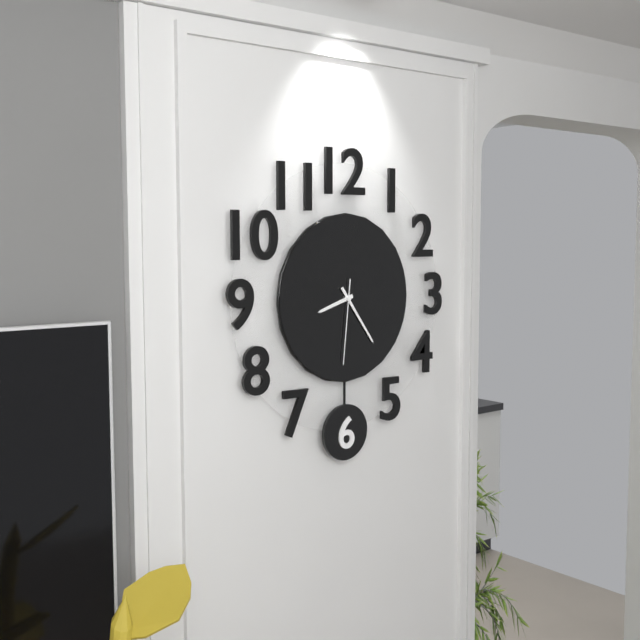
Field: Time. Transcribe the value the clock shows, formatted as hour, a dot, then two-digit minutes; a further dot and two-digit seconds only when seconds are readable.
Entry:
8.24.31
